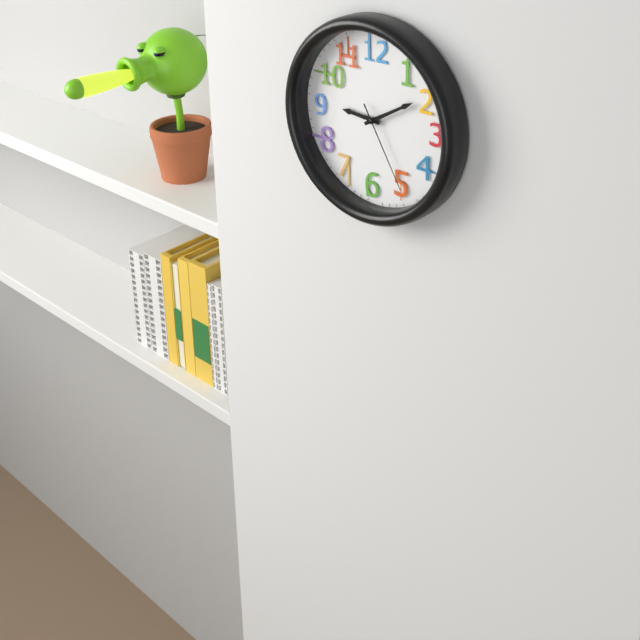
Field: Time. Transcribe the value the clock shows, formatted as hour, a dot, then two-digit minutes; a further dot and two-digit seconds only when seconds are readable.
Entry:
9.10.25
